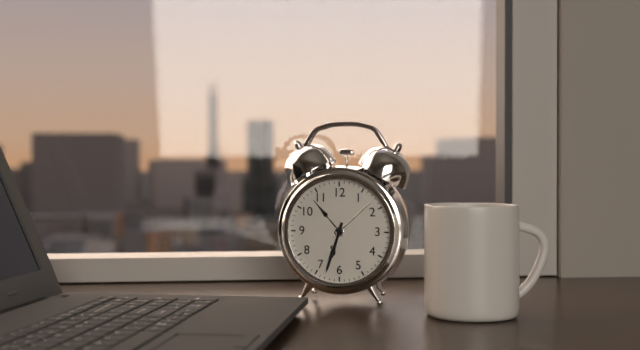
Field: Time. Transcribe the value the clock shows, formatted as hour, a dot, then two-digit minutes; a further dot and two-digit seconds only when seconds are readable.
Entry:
6.33
